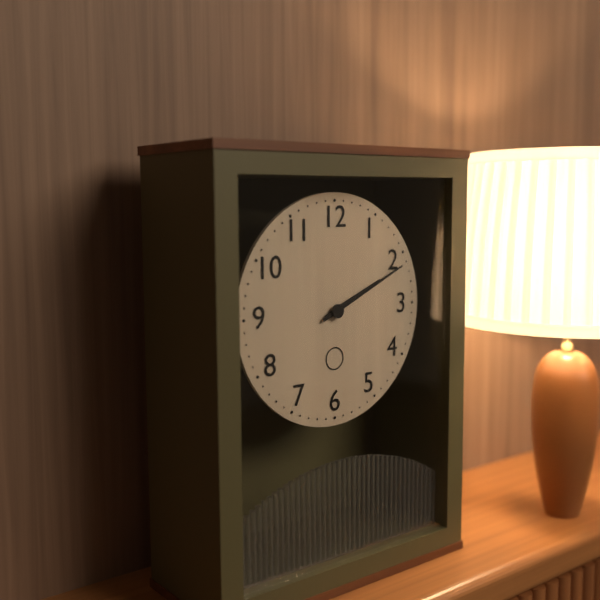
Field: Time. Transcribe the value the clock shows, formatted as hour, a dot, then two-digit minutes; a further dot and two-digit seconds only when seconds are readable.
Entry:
2.11
